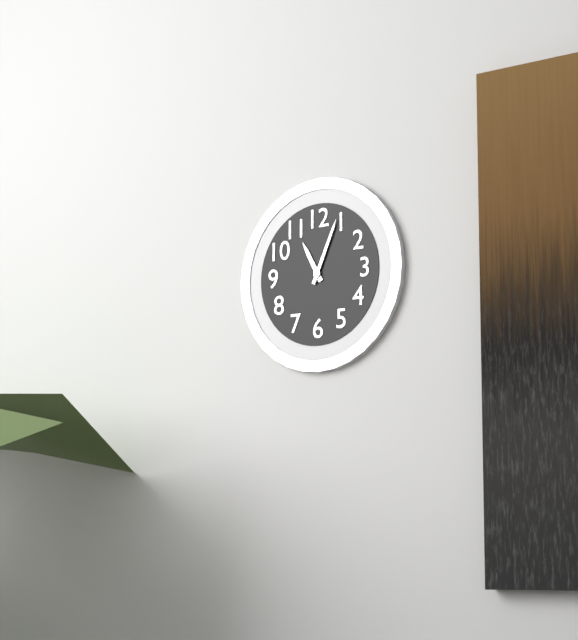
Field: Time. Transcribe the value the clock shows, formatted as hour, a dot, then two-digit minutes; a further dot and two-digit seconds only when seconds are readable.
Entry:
11.04
